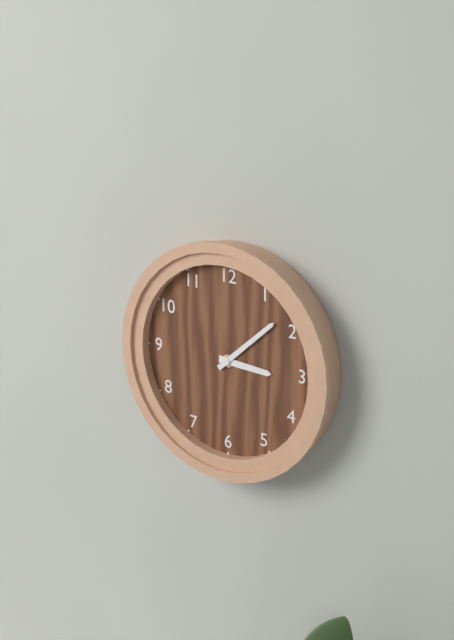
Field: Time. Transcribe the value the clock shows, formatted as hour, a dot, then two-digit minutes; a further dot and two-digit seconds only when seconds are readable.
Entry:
3.08
